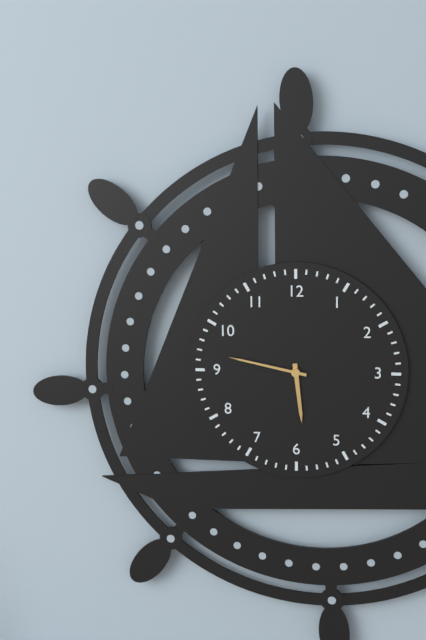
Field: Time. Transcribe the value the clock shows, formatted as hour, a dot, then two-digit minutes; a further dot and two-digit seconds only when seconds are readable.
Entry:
5.47
